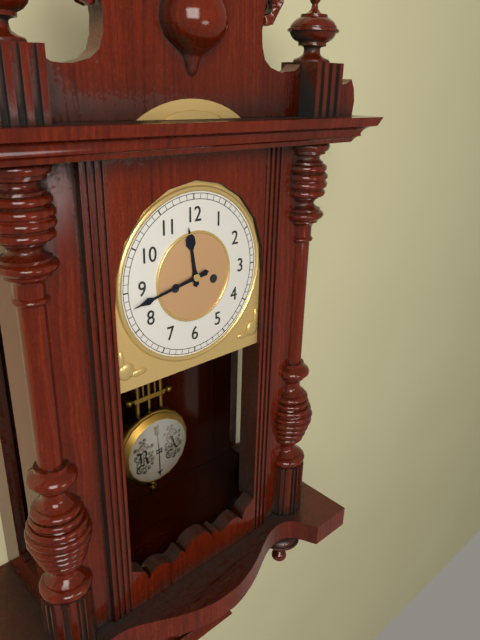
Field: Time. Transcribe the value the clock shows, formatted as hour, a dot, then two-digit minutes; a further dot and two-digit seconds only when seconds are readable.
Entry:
11.43
